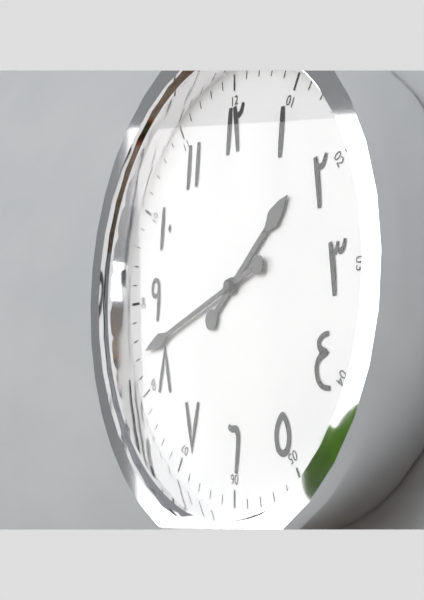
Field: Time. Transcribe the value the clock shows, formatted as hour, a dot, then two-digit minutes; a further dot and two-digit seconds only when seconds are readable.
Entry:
1.42
